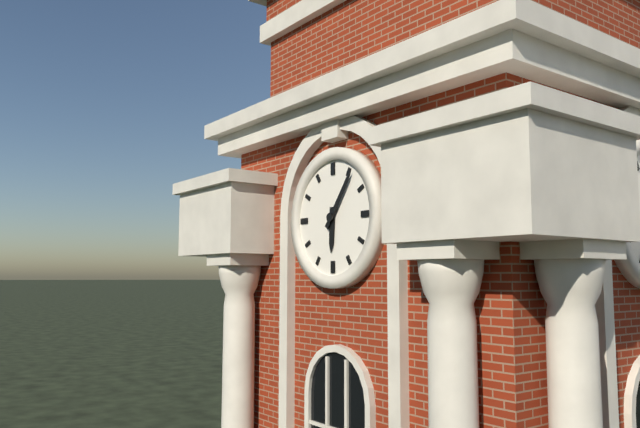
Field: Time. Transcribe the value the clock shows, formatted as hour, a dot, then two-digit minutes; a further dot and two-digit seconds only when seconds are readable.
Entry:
6.06
